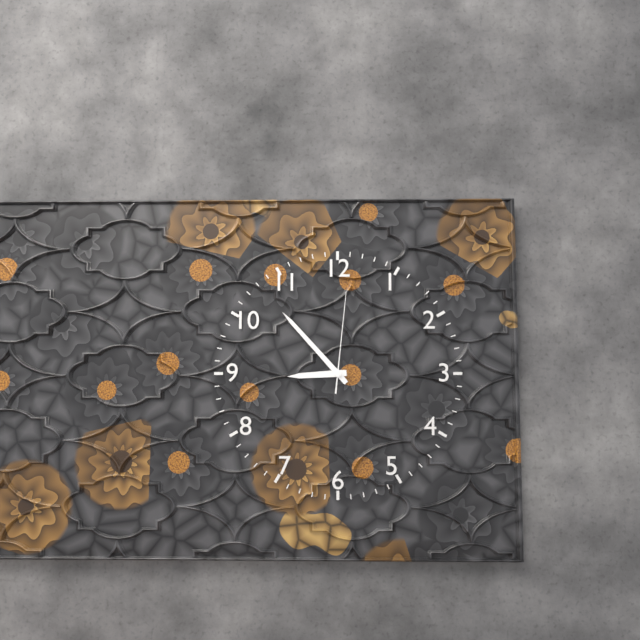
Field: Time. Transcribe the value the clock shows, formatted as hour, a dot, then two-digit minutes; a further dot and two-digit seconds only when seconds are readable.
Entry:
8.53.01
